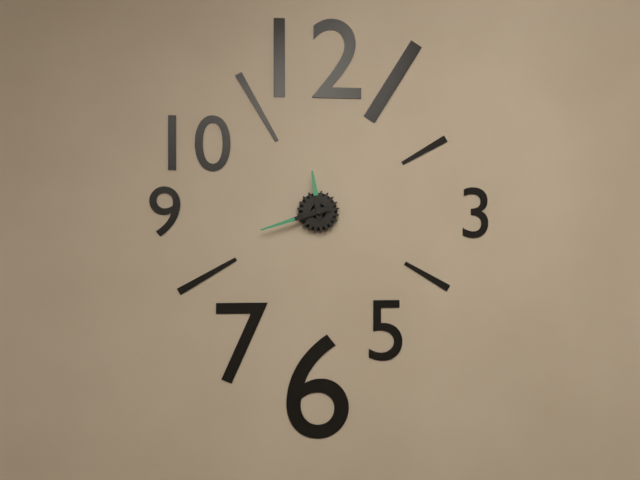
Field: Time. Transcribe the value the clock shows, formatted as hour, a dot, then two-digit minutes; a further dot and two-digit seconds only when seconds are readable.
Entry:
11.42
